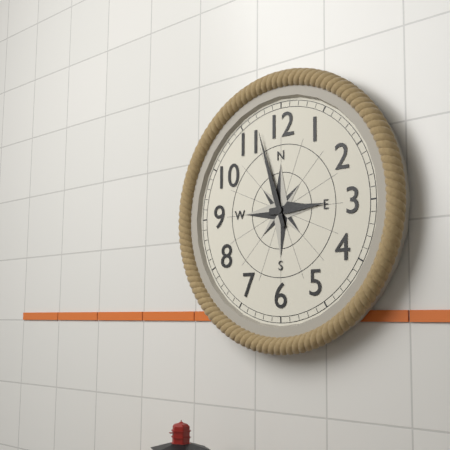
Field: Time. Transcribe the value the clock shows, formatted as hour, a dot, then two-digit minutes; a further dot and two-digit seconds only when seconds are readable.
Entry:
2.57
